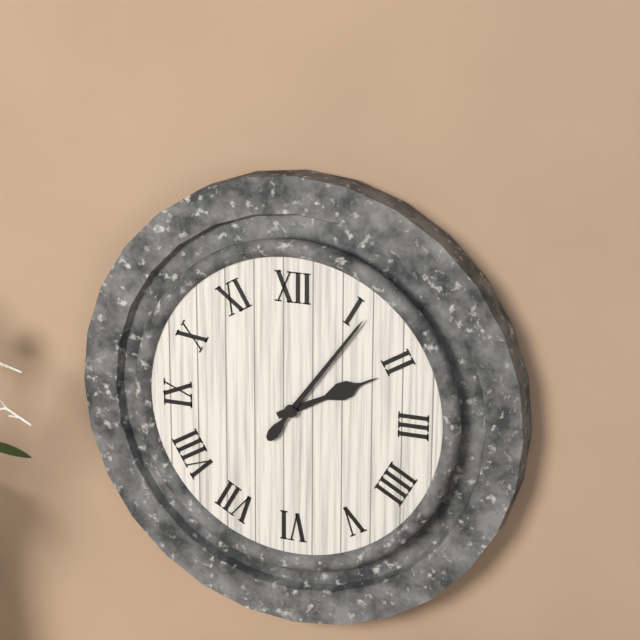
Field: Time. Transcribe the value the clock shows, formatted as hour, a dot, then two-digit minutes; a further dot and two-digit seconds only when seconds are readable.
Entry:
2.06
